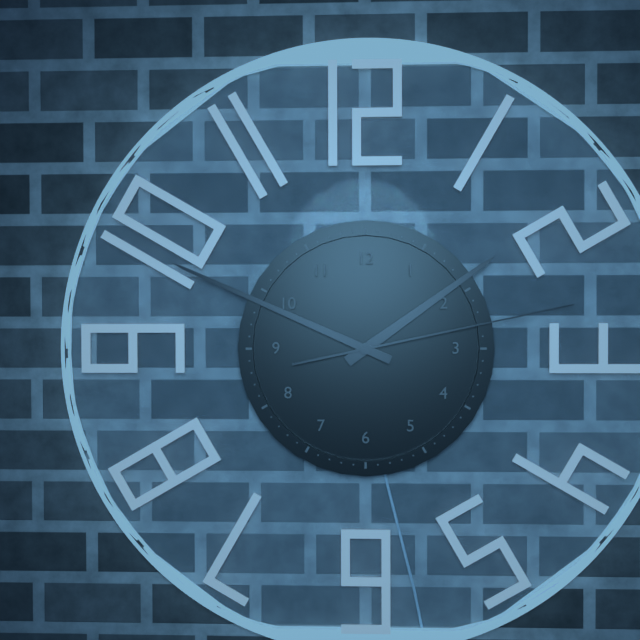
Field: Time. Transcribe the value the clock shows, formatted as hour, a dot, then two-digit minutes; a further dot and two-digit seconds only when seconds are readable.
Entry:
1.49.13
